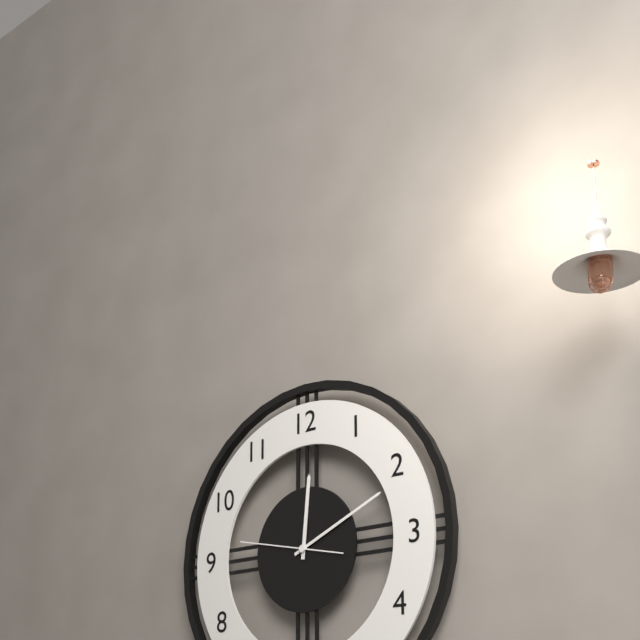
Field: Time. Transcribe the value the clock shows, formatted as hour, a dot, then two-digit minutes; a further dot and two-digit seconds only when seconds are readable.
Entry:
12.11.47
